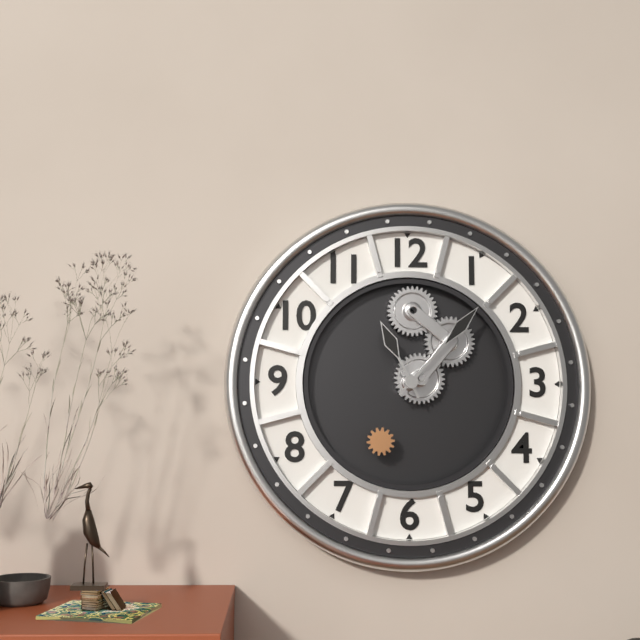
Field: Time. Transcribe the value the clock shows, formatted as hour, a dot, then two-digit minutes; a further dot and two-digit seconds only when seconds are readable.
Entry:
11.07
